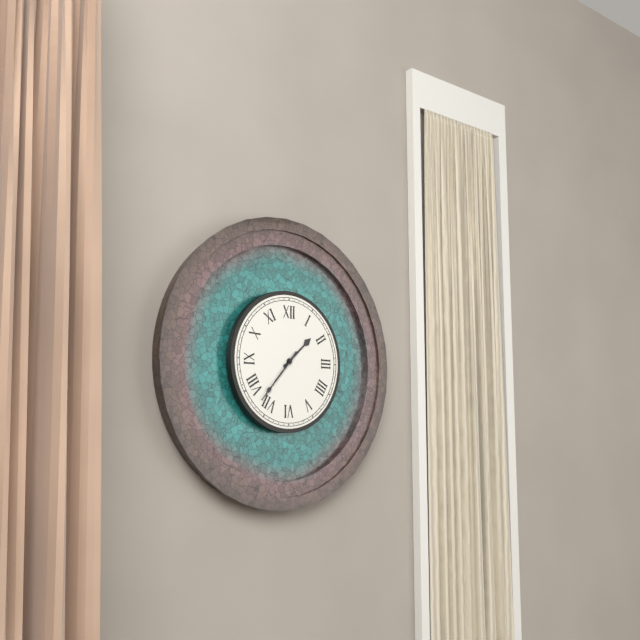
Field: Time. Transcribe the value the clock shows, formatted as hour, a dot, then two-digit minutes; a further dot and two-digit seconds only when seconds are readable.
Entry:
1.37
